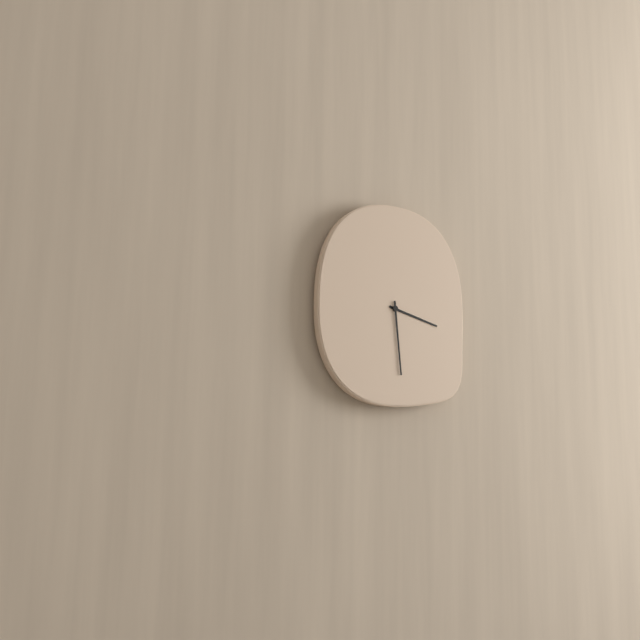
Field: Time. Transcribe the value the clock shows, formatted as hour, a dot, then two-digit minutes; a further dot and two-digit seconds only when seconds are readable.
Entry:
3.29
